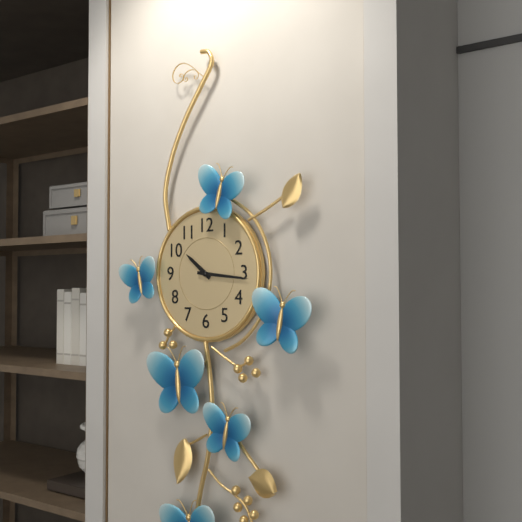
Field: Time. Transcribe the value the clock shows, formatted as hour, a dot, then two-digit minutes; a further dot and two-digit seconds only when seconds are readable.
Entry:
10.16
